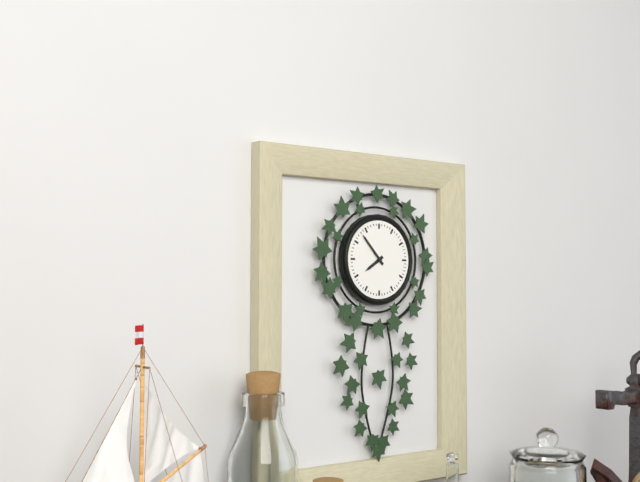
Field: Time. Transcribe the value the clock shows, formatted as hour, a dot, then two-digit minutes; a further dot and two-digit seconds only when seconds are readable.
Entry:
7.53
